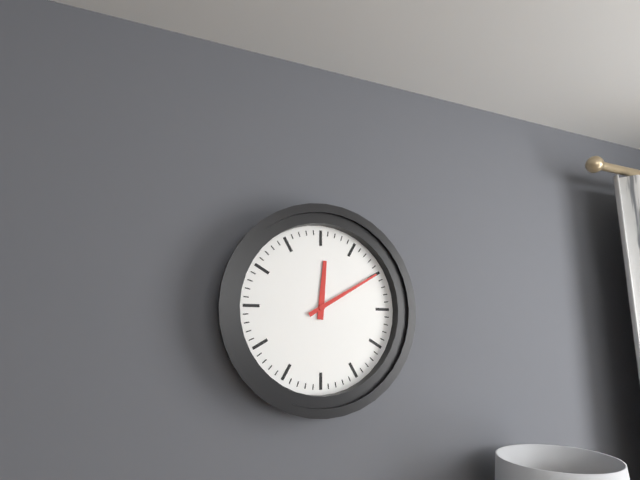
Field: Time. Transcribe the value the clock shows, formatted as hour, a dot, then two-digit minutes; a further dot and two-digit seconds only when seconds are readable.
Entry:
12.10
